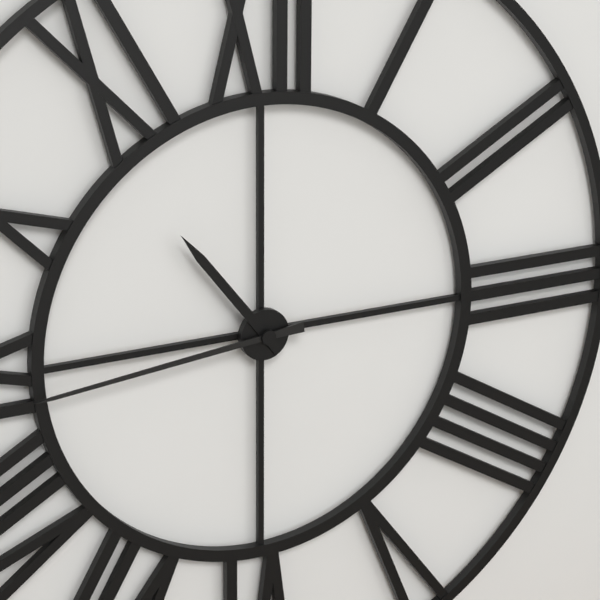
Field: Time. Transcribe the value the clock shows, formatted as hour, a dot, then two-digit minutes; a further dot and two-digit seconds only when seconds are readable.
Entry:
10.44
